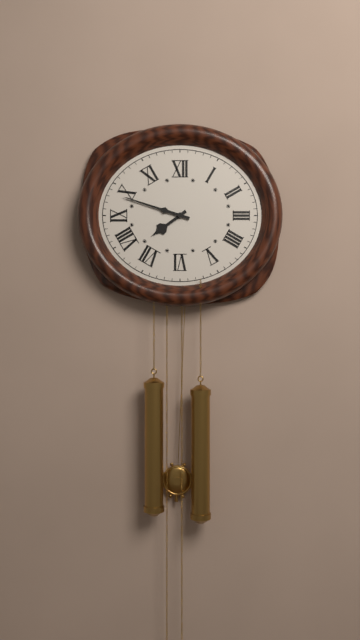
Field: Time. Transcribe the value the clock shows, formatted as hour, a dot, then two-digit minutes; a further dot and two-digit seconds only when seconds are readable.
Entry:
7.48
